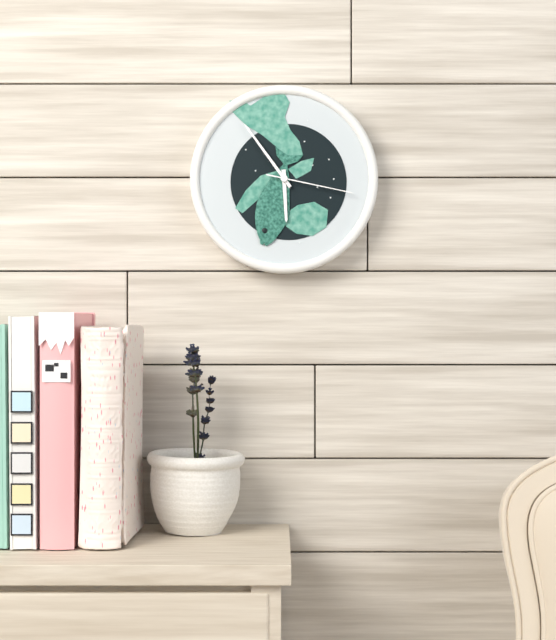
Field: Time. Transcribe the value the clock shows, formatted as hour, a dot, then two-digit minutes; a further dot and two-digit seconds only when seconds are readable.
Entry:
5.54.17
